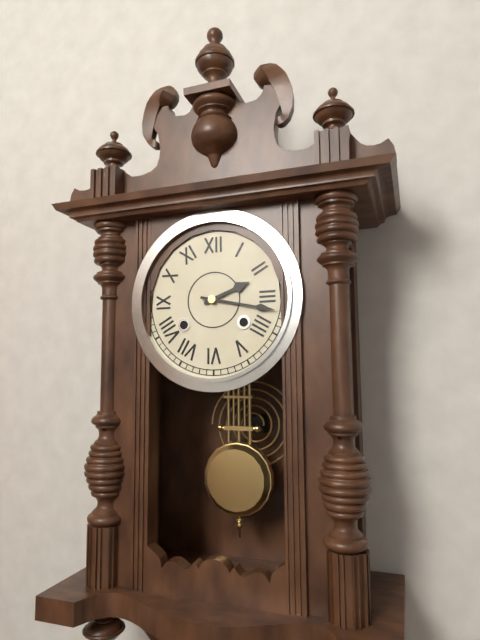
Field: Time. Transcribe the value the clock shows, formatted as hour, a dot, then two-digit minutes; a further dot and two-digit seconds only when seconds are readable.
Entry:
2.17
